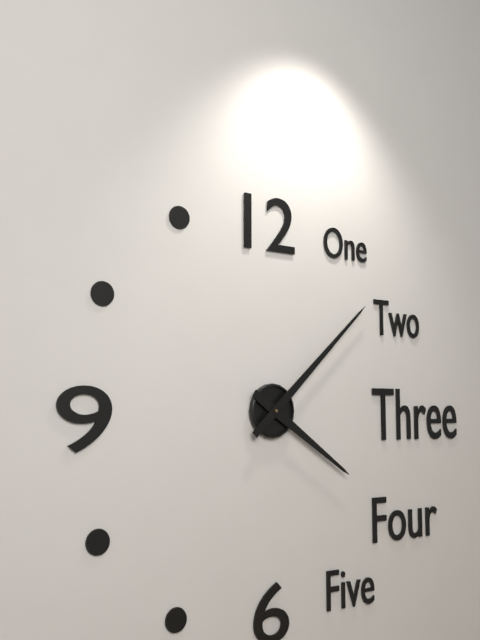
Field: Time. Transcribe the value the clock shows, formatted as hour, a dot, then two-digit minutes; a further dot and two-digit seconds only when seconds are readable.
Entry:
4.08
